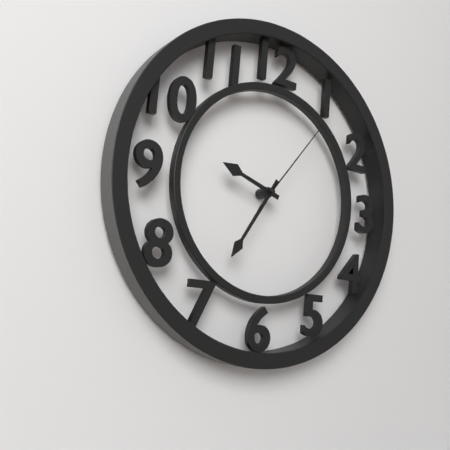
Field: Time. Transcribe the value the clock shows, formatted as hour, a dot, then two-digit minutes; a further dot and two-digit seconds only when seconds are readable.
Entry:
9.35.06
